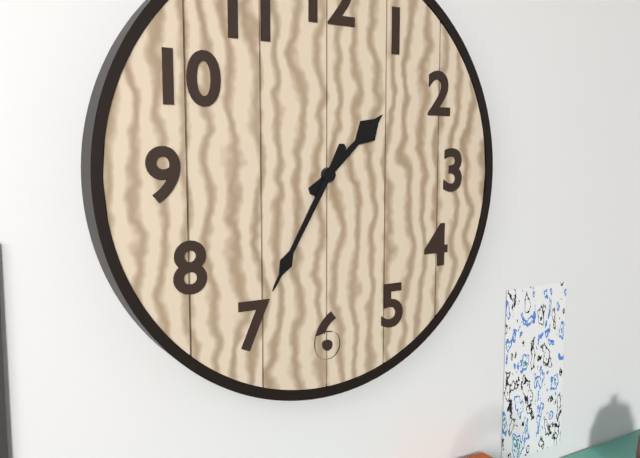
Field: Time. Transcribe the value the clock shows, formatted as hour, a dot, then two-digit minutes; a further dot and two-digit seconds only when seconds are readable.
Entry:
1.35
